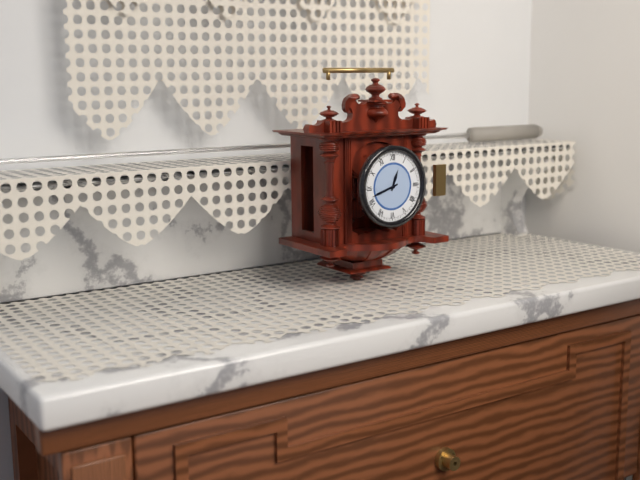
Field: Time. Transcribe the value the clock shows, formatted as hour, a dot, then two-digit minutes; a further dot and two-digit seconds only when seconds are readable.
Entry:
12.42
